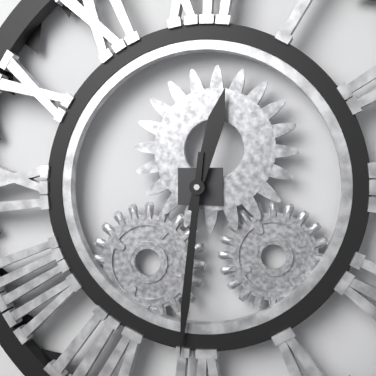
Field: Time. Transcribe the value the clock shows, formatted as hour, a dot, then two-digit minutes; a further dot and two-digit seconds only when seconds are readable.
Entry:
12.31
